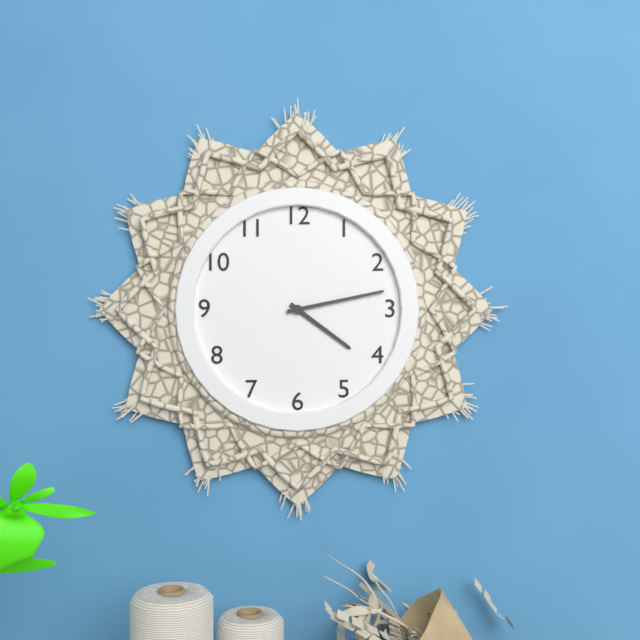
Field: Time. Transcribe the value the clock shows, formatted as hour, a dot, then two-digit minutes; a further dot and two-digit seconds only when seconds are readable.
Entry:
4.13
